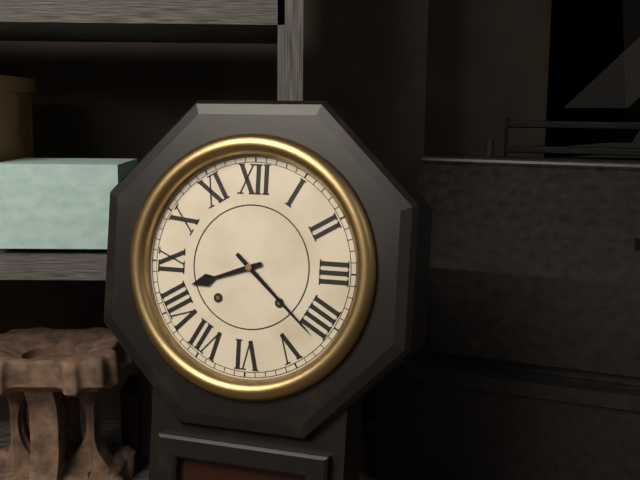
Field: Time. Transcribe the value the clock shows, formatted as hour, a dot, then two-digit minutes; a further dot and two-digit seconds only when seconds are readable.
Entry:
8.22
